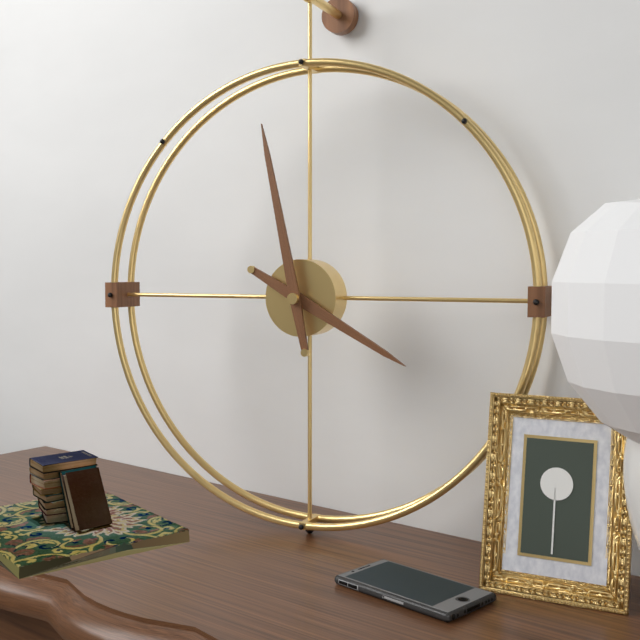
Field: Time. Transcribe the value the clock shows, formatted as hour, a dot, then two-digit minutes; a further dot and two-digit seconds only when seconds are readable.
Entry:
3.58
